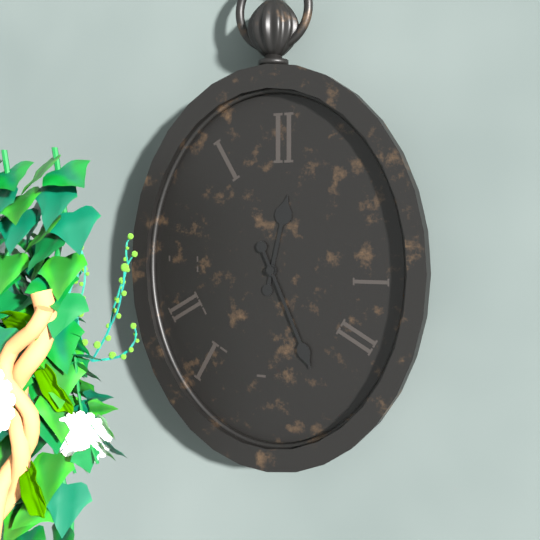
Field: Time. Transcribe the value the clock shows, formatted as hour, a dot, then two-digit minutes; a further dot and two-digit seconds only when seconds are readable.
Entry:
12.26
